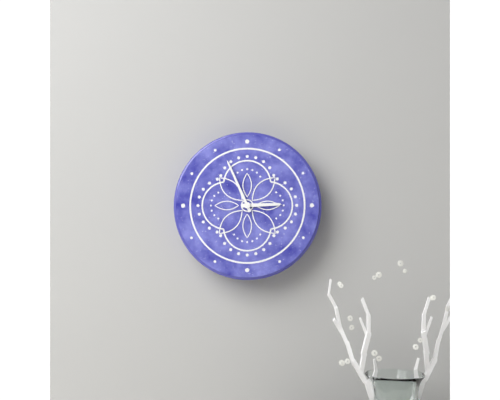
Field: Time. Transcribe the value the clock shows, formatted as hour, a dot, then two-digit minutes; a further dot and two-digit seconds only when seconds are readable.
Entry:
2.56
